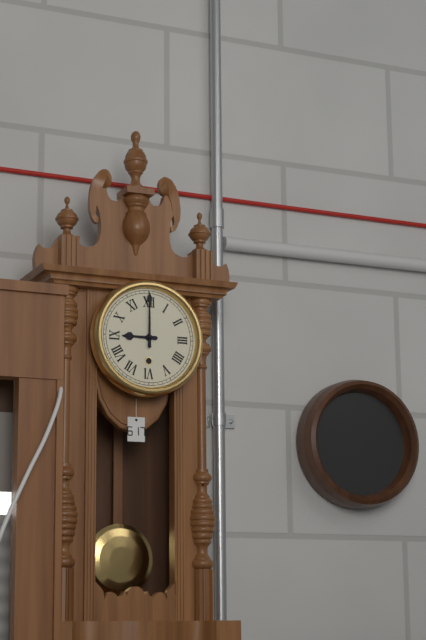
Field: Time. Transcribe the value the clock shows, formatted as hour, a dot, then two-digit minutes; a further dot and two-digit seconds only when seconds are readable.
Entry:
9.00
